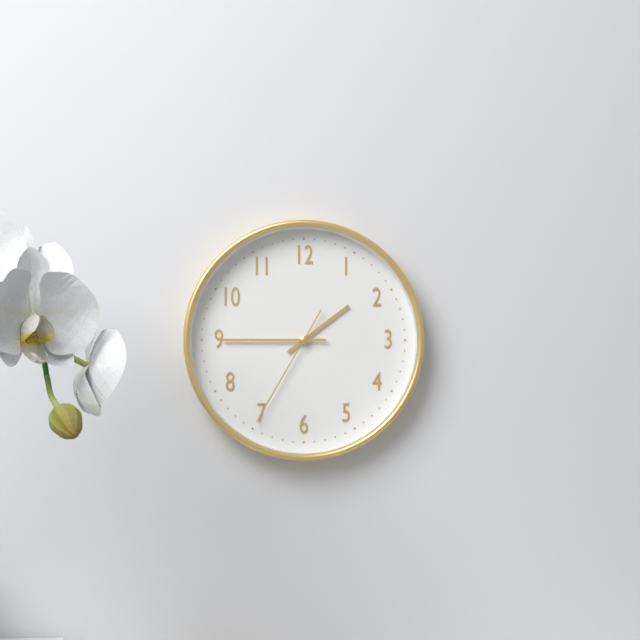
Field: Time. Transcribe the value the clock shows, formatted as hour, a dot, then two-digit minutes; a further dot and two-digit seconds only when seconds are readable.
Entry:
1.45.35
